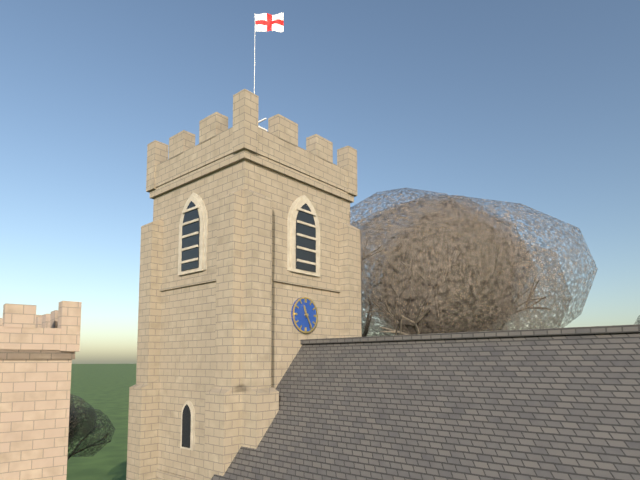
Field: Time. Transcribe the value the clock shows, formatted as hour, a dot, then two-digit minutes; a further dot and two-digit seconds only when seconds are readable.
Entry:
11.25
